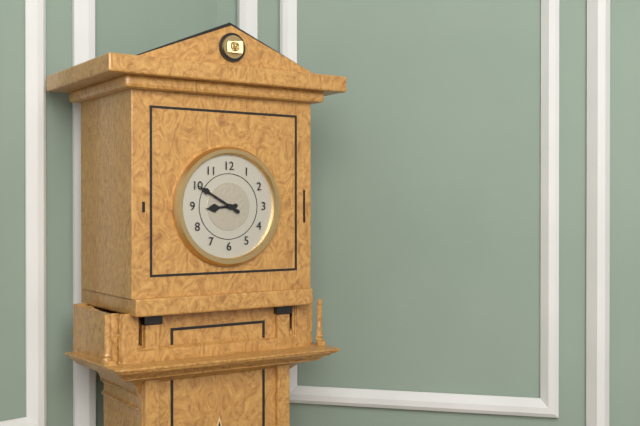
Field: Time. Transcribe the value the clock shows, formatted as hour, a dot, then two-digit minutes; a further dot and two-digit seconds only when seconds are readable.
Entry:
8.50
